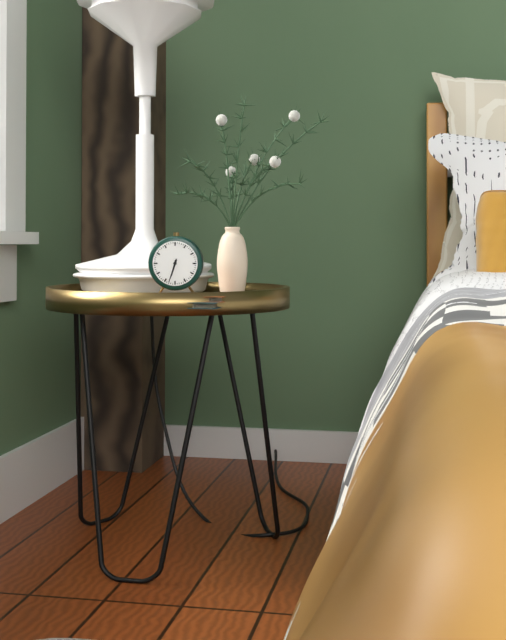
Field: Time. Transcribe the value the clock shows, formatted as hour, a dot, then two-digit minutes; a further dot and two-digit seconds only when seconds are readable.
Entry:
6.33
